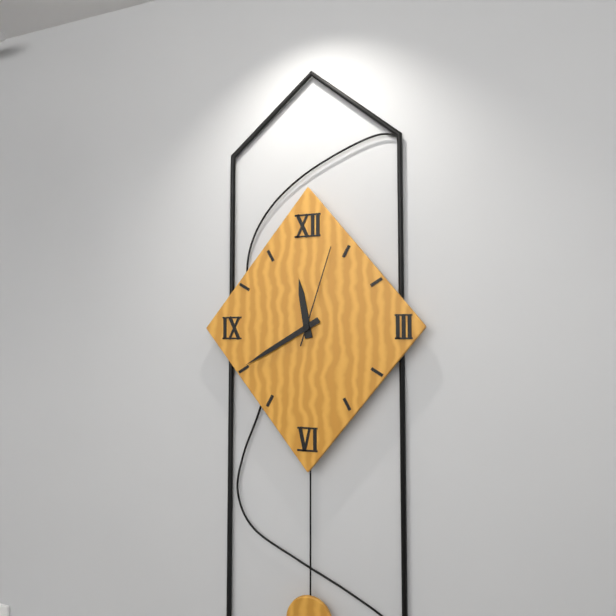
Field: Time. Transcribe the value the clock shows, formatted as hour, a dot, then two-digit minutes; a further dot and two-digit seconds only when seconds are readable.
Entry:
11.40.03
